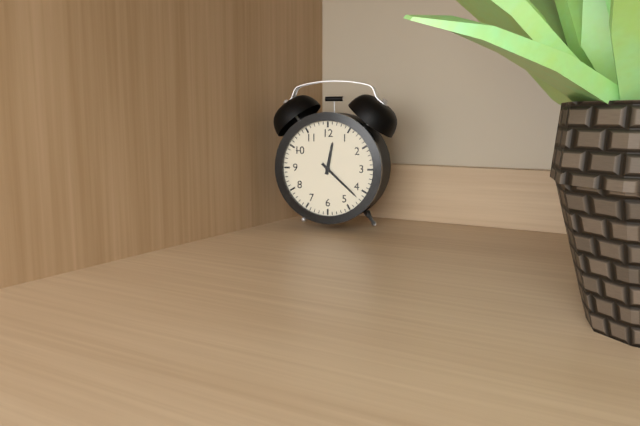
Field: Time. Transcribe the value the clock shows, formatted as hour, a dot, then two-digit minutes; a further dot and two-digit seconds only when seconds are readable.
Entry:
12.22
